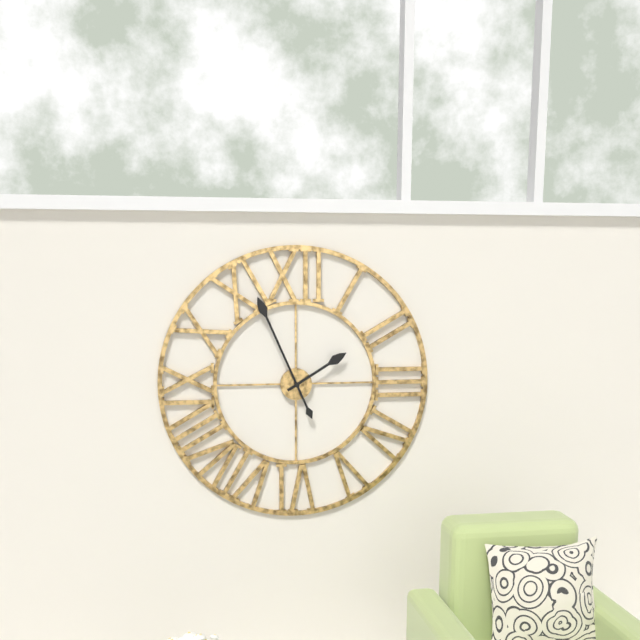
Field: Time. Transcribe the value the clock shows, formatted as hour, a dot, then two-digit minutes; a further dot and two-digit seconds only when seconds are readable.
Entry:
1.56
